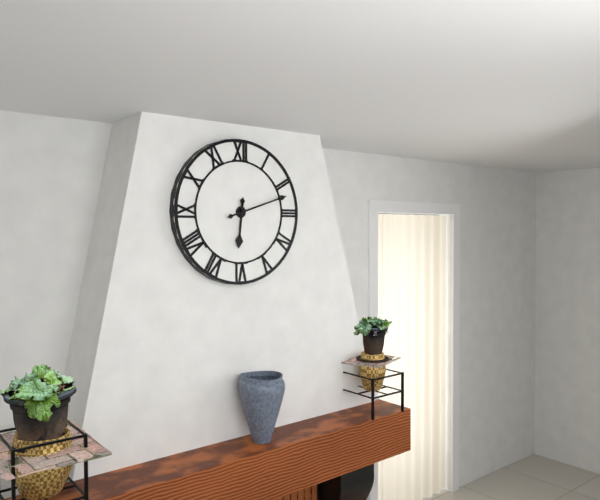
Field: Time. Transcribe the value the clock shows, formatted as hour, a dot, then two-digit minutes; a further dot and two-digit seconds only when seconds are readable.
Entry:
6.12
